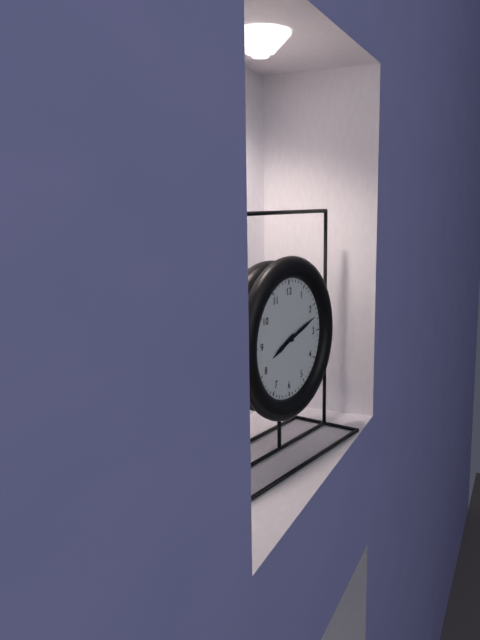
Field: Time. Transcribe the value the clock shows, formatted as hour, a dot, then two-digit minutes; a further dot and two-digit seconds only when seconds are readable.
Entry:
8.12
